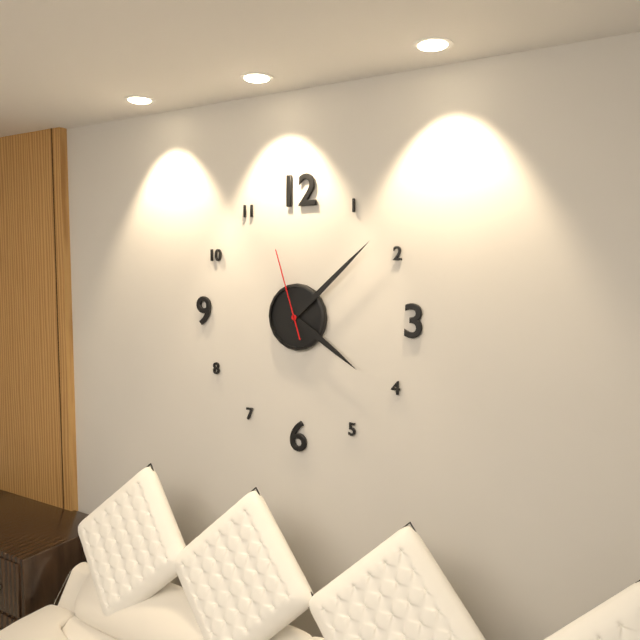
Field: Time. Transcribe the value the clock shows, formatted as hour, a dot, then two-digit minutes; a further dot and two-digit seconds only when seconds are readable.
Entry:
4.08.57
